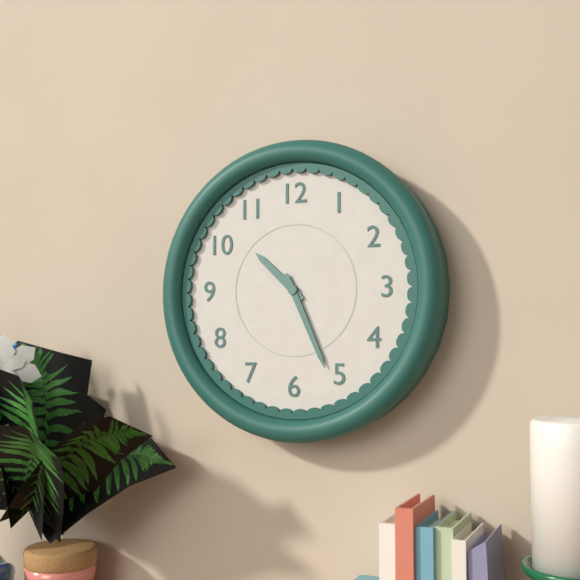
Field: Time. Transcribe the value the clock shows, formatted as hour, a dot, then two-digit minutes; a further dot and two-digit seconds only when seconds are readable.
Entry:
10.26
